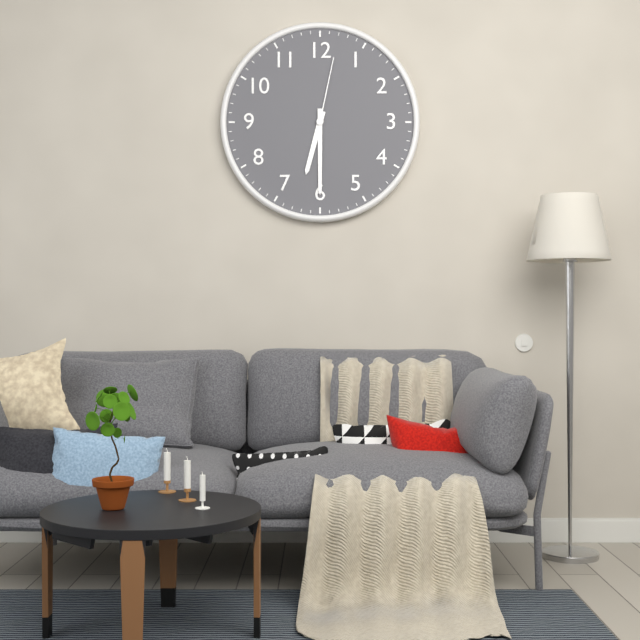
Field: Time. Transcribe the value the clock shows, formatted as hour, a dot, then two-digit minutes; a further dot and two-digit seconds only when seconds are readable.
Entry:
6.30.02
